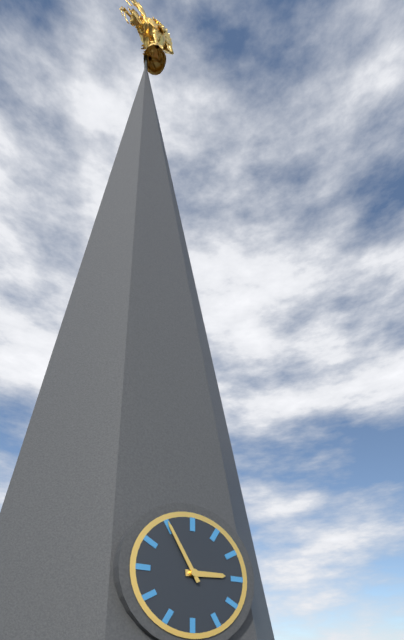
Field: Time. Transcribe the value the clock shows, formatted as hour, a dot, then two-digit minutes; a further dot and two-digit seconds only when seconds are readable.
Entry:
2.55
